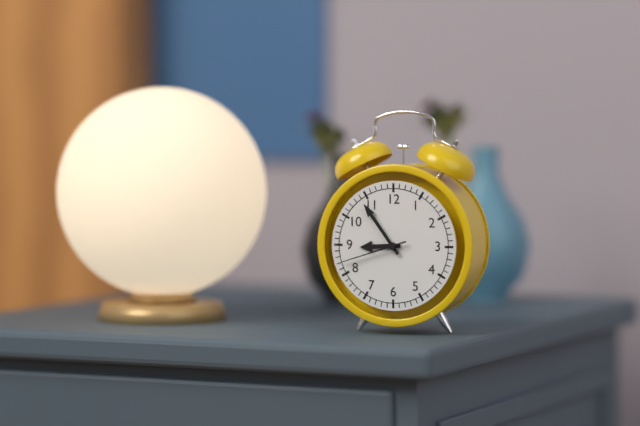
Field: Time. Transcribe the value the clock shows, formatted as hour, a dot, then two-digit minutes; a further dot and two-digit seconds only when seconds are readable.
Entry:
8.54.42
